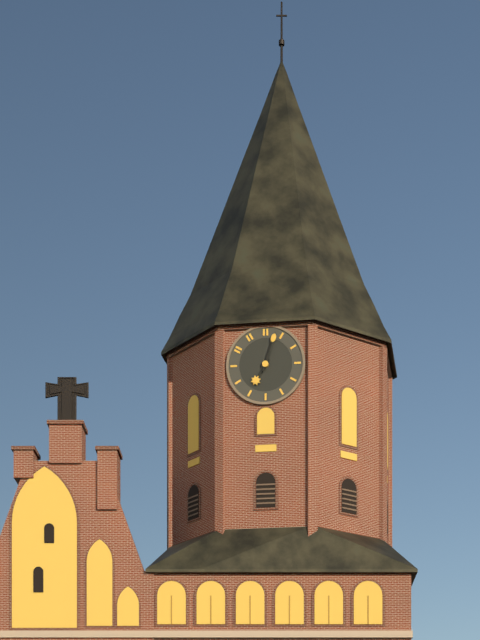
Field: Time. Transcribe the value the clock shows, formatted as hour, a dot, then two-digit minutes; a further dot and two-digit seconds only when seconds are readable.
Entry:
7.03
